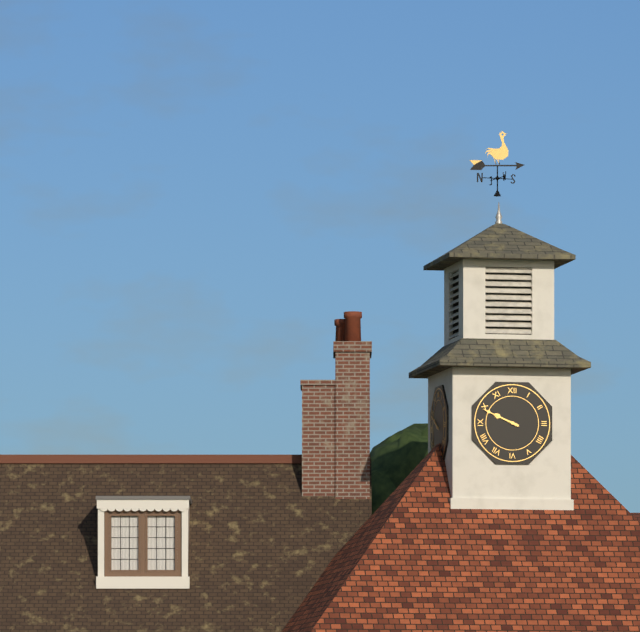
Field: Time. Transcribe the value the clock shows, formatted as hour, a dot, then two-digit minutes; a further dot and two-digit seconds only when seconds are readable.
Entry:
9.49
